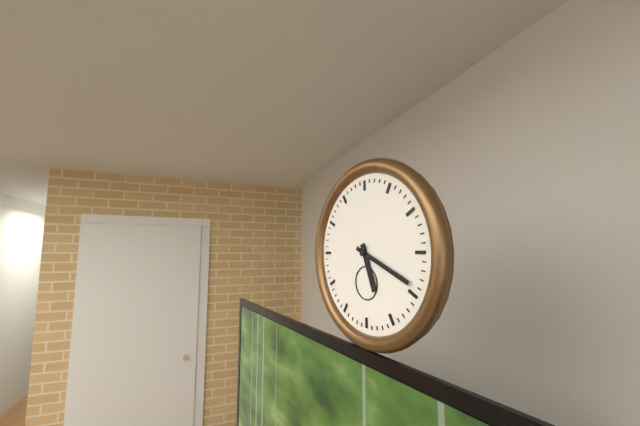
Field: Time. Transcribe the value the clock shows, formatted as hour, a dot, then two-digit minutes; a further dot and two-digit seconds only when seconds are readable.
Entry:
5.19
